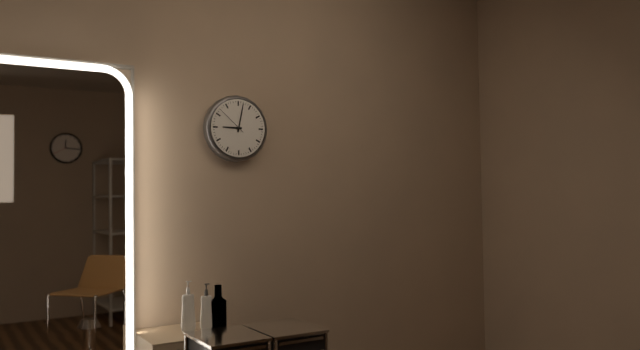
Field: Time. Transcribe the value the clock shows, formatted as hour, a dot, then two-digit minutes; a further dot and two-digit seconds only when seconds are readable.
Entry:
9.02
